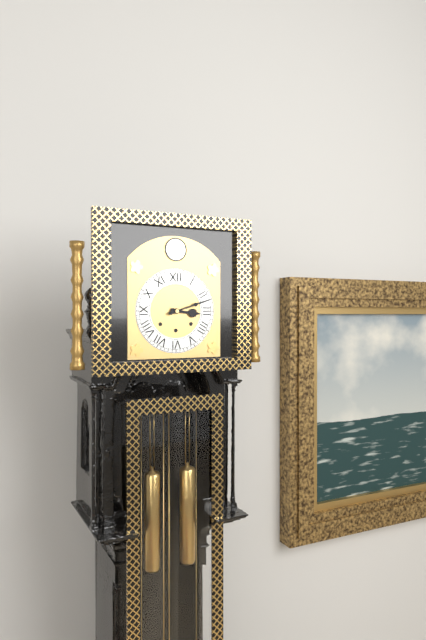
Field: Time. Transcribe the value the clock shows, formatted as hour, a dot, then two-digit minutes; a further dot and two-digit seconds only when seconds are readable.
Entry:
3.12
